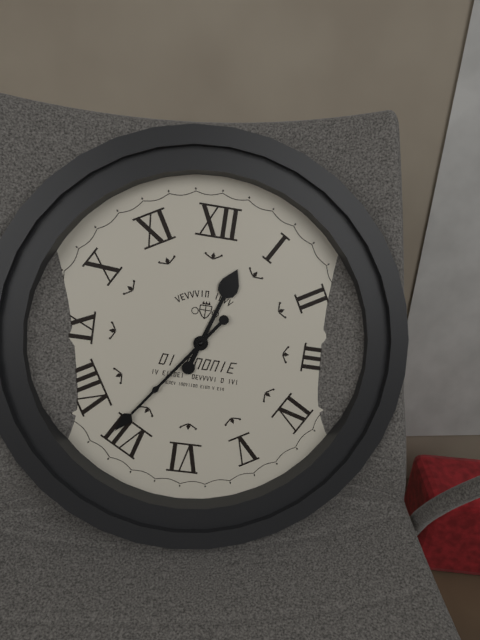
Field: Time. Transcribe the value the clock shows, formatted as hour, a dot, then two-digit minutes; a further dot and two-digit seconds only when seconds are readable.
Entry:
12.36
